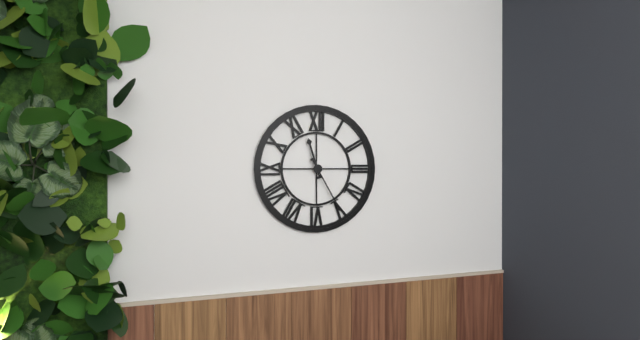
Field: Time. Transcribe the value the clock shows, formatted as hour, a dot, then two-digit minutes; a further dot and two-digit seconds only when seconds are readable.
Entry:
11.25
